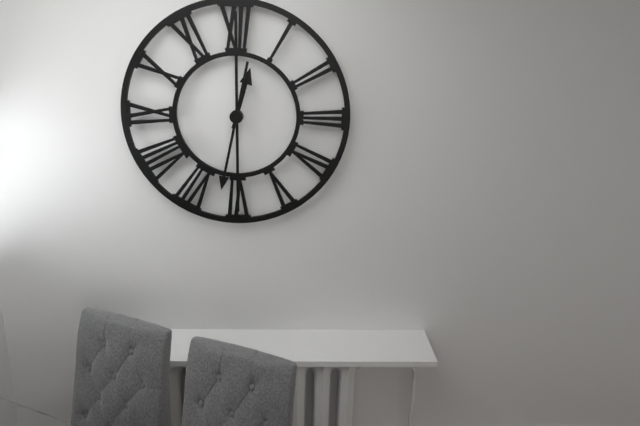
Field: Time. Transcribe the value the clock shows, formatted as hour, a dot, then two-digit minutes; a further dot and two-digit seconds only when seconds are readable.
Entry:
12.32
